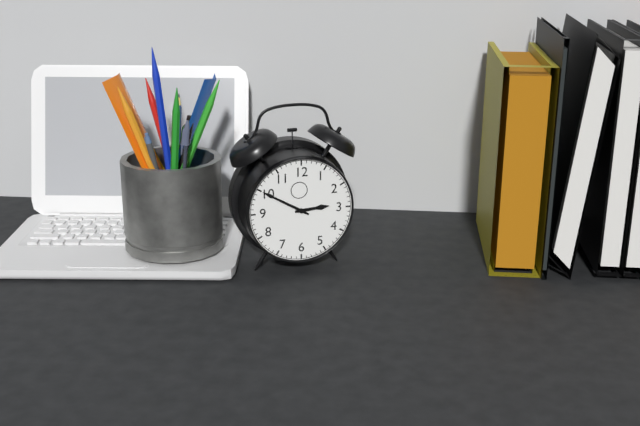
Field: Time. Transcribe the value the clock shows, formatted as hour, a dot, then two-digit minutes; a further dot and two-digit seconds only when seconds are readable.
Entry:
2.50
